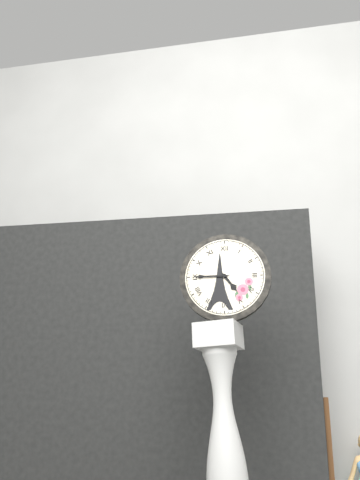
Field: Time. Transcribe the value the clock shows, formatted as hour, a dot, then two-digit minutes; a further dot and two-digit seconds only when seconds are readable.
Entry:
4.45
